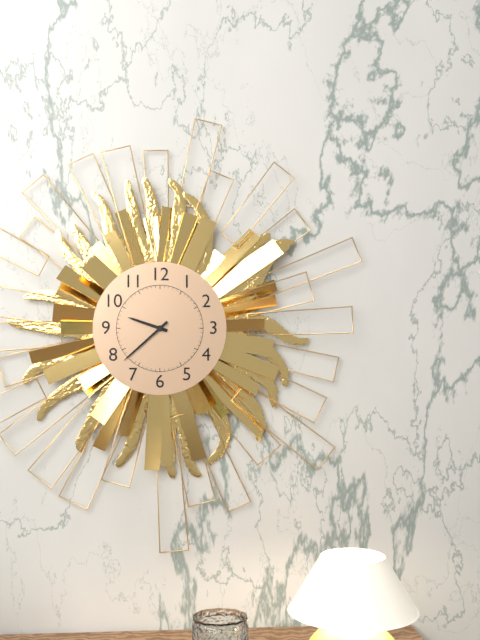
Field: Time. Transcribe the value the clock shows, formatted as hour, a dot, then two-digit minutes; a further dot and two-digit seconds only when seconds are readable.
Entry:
9.38
